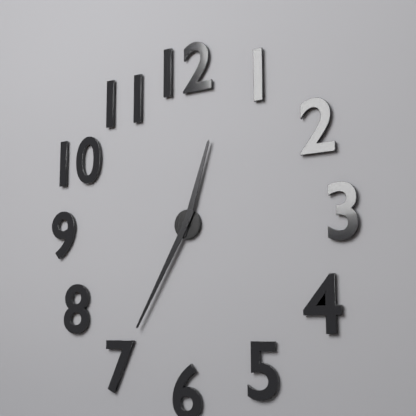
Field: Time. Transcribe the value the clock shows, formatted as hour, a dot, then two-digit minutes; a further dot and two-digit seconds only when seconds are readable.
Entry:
12.35
